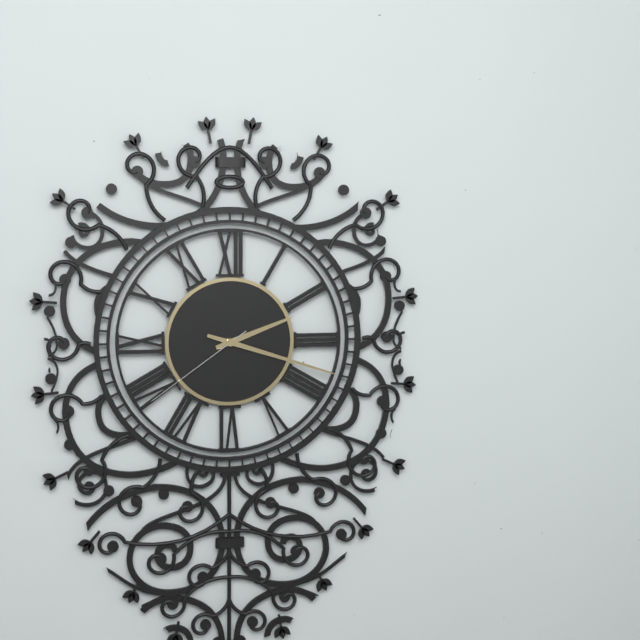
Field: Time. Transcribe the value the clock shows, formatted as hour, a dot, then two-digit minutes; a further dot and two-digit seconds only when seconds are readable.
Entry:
2.18.39
